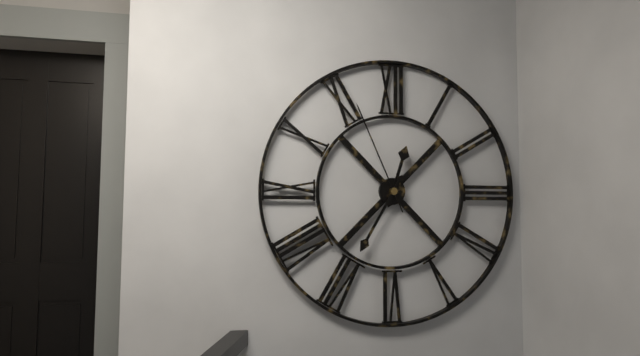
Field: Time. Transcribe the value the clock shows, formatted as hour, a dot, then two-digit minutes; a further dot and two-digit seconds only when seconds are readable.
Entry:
12.35.56
